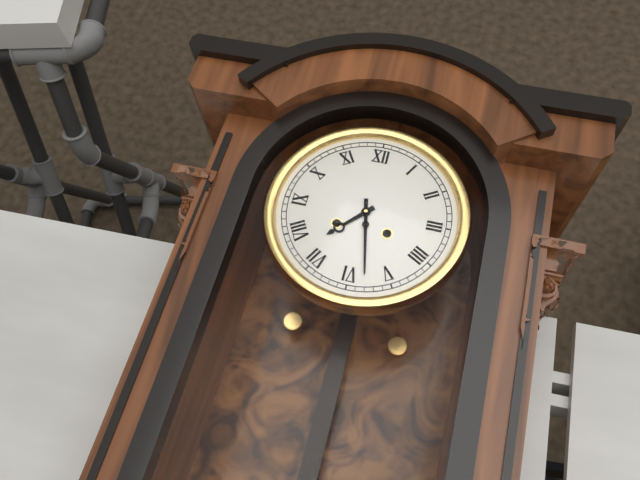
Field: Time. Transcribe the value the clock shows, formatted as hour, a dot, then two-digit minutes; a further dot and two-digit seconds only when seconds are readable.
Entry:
7.28
